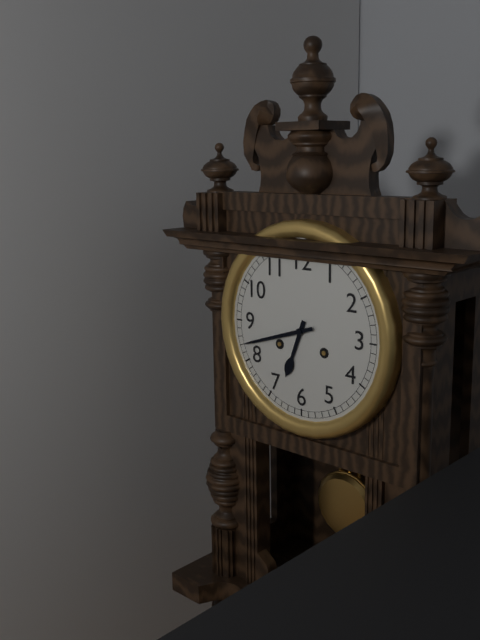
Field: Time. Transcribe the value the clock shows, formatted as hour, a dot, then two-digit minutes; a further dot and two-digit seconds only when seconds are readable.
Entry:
6.42
